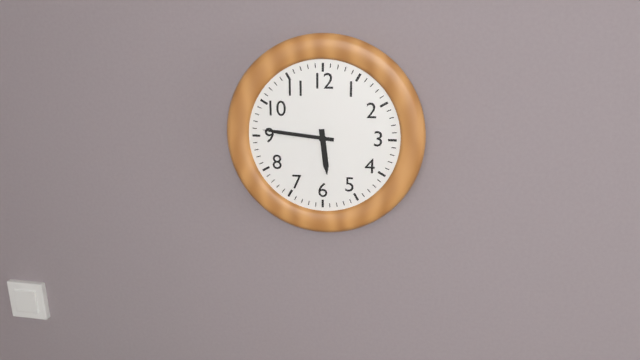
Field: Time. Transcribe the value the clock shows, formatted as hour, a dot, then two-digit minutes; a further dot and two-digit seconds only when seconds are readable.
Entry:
5.46
